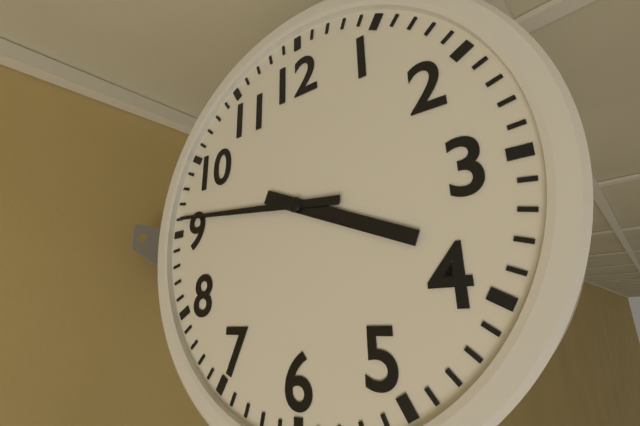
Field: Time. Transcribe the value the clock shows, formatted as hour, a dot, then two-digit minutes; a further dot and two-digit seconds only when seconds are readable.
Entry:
3.46
